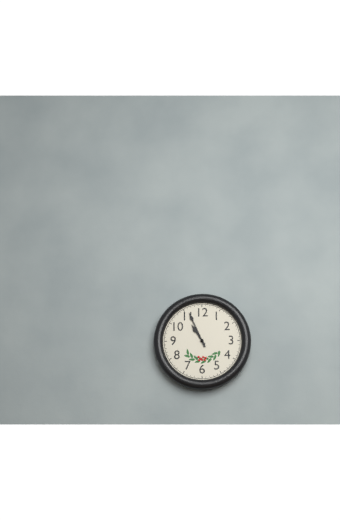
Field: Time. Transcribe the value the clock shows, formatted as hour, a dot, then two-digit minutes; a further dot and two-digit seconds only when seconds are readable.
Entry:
10.56
